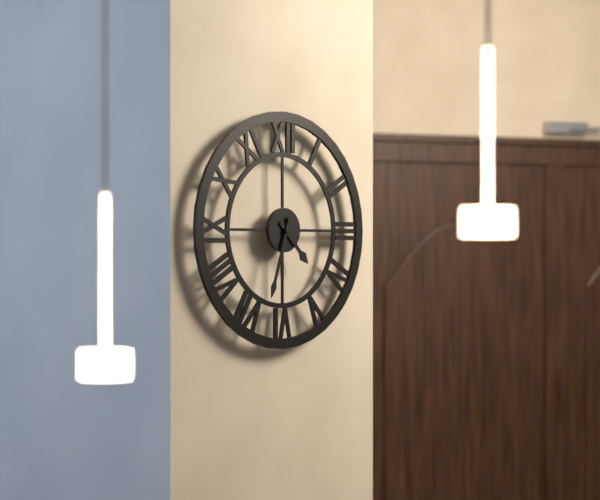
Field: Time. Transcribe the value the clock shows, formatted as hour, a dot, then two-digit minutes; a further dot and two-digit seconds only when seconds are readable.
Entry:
4.33
